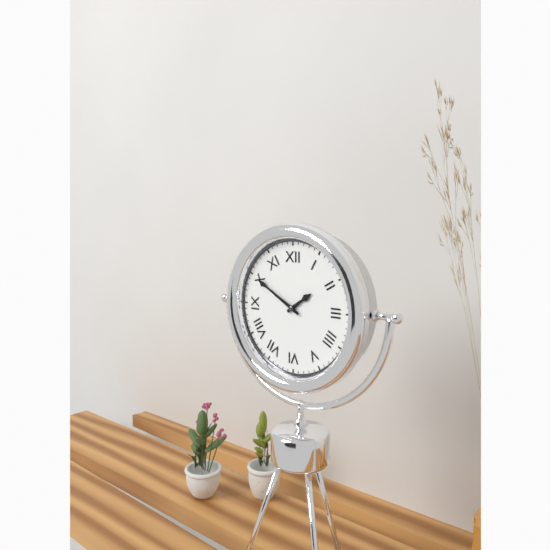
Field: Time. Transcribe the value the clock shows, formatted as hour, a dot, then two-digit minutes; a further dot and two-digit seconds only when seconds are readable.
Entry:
1.50
